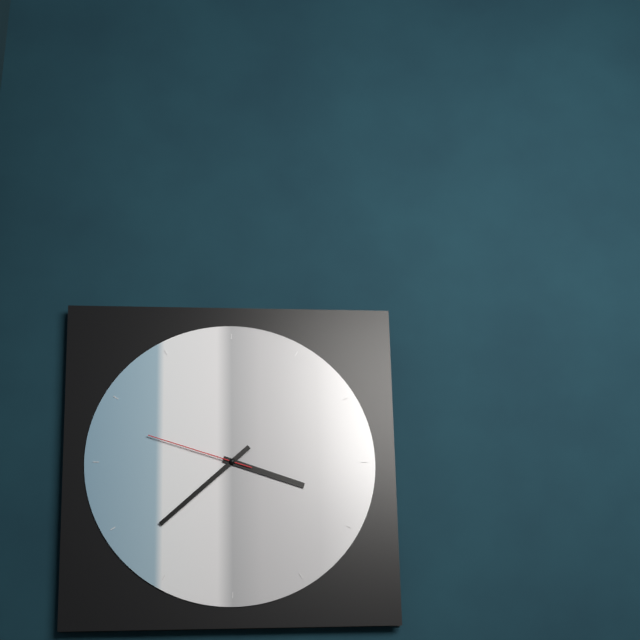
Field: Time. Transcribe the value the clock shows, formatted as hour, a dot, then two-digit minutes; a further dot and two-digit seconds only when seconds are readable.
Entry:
3.38.48
